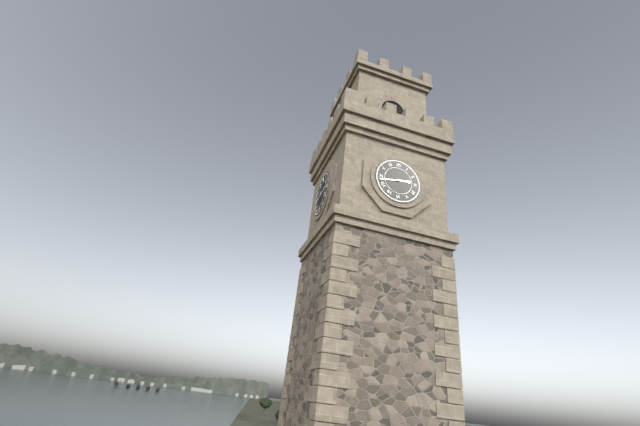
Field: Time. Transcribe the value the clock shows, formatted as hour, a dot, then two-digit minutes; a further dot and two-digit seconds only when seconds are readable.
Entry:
2.43
